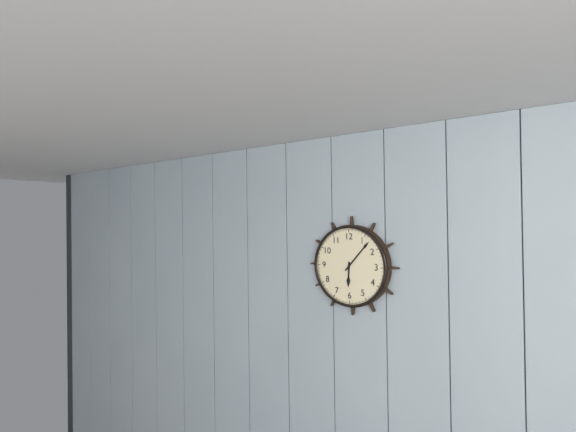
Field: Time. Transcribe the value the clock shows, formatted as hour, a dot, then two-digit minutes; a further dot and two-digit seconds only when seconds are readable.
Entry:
6.07
